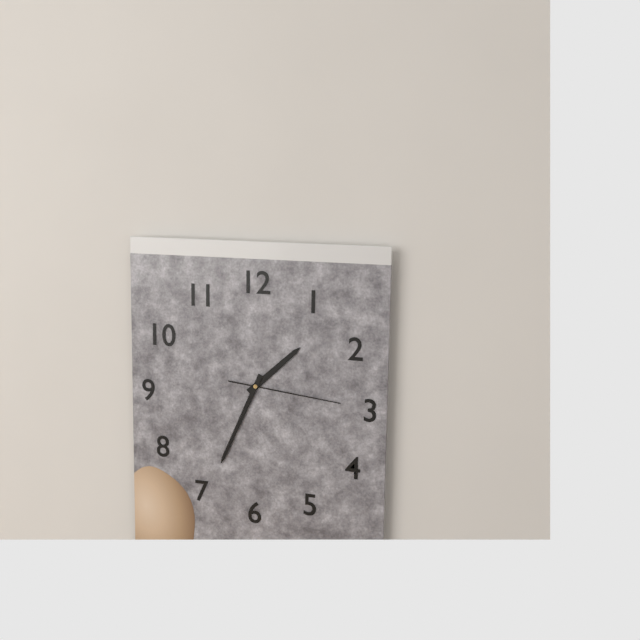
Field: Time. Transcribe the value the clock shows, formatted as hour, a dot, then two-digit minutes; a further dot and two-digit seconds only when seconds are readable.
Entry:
1.34.16
